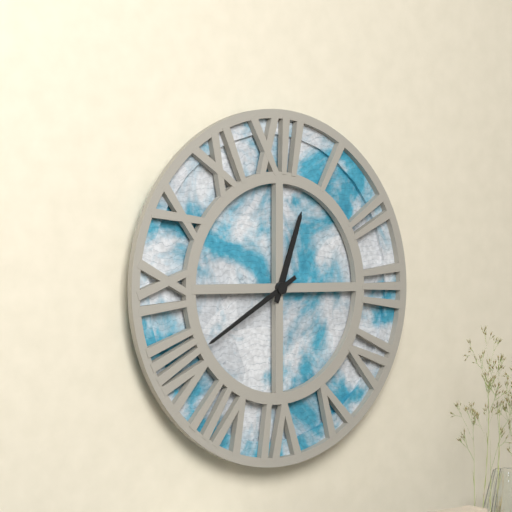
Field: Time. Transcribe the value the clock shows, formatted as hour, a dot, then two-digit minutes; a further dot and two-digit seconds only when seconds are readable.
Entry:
12.40
